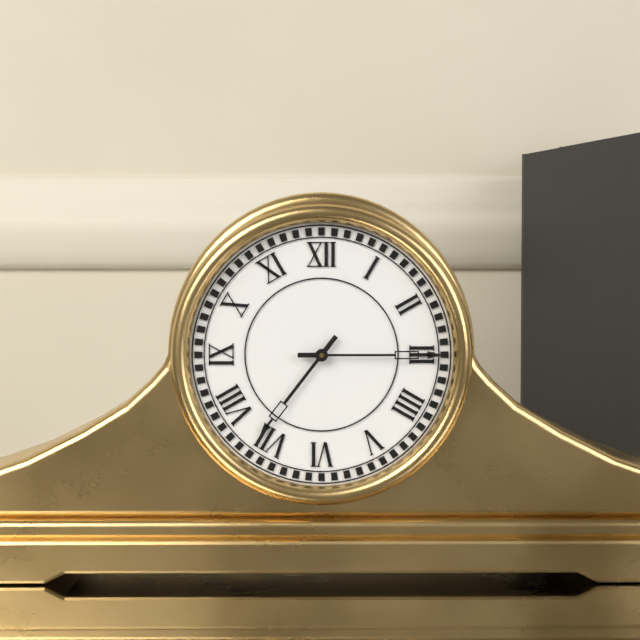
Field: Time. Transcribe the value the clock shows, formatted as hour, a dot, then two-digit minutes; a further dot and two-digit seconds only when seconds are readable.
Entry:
7.15
